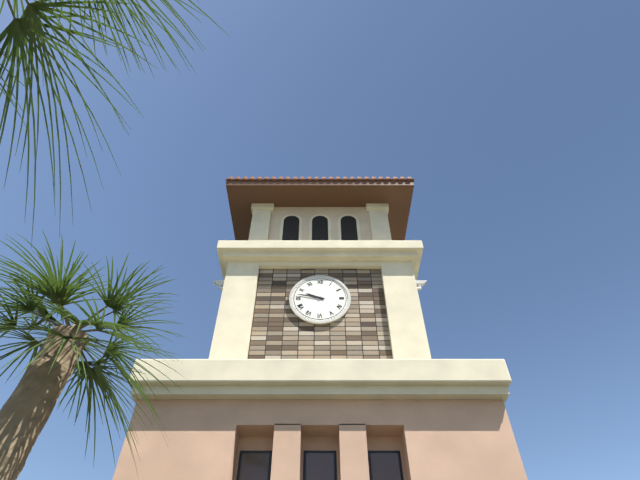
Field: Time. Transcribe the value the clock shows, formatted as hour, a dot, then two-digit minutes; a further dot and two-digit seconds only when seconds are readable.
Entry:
9.47
